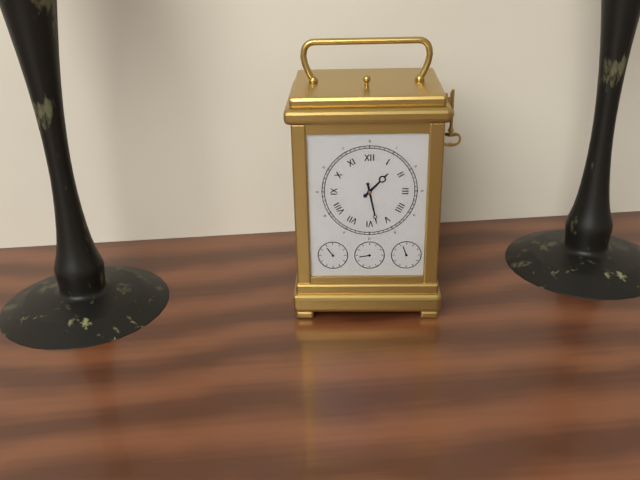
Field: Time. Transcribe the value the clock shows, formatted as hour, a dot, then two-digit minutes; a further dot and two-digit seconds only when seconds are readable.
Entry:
1.28
